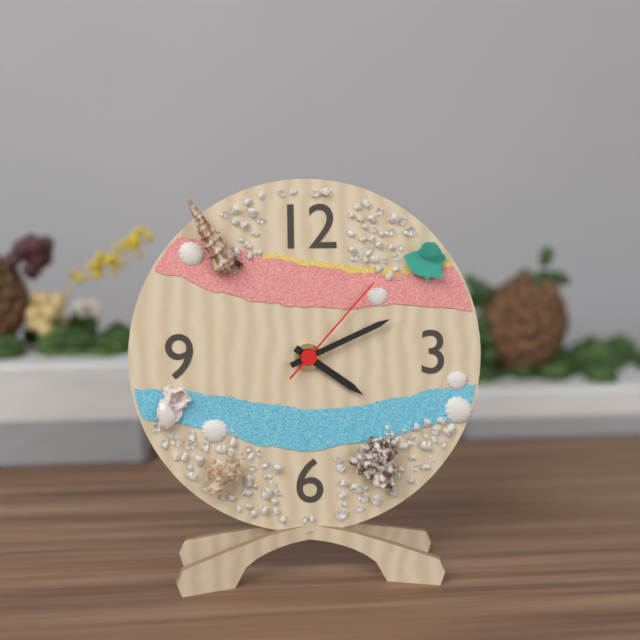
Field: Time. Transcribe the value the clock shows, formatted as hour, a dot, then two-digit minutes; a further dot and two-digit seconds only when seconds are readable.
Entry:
4.11.07
